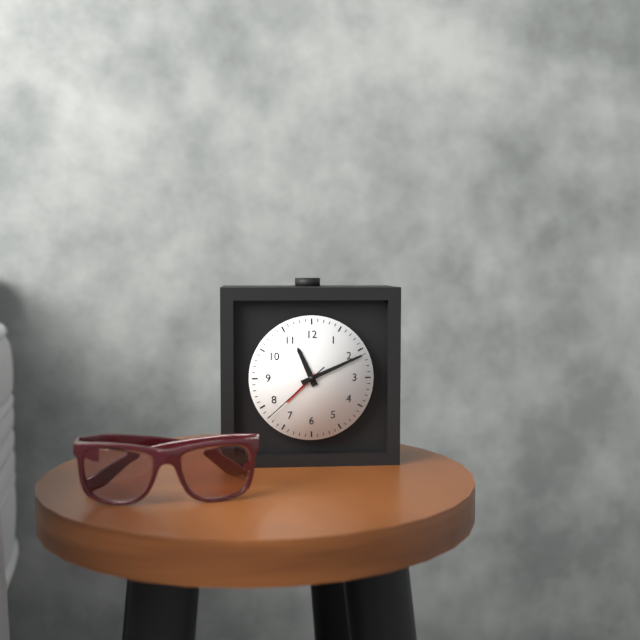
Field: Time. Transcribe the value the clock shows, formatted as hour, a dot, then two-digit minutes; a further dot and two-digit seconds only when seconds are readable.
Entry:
11.11.38
